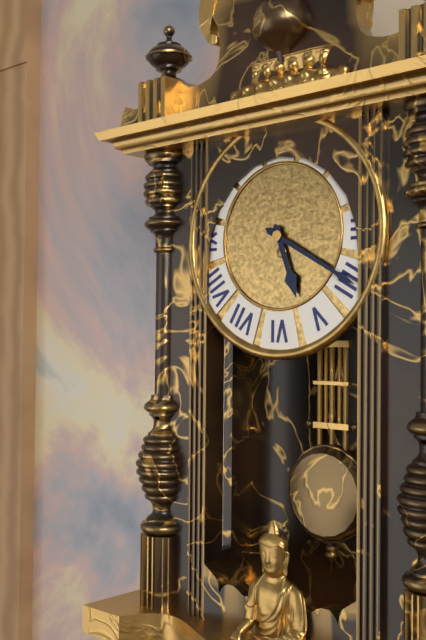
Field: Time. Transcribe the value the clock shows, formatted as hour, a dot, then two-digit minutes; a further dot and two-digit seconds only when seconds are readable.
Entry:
5.20
